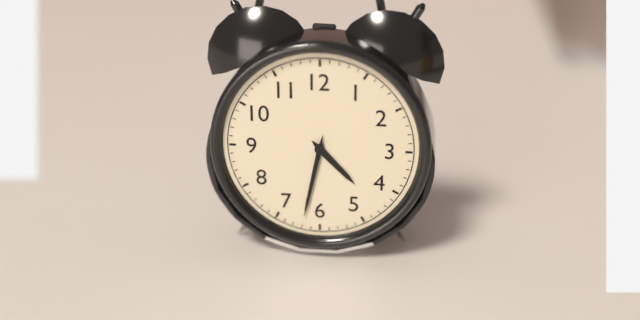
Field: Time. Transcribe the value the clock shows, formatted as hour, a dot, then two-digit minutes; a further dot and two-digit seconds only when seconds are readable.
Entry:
4.32
